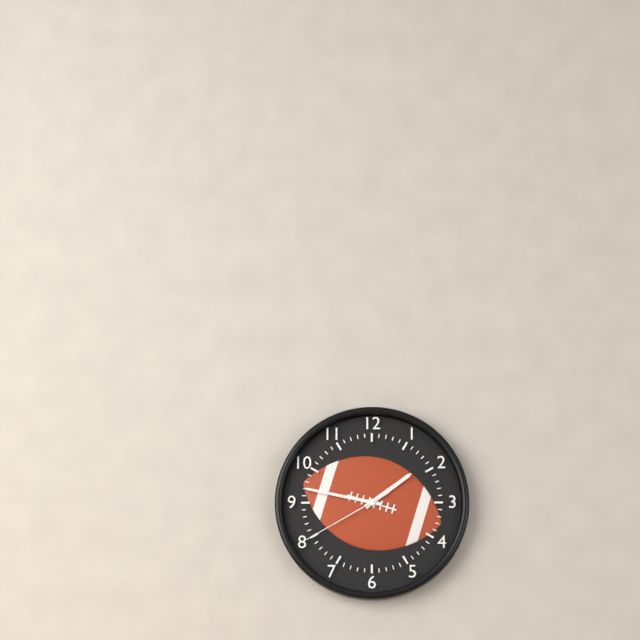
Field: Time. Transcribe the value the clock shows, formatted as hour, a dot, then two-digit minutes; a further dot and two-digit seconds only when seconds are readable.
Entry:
1.47.40
